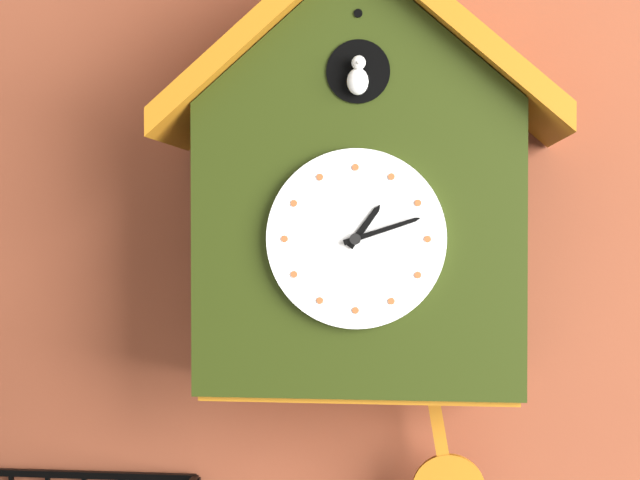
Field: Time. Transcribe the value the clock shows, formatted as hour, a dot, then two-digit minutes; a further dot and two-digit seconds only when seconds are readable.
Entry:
1.12
